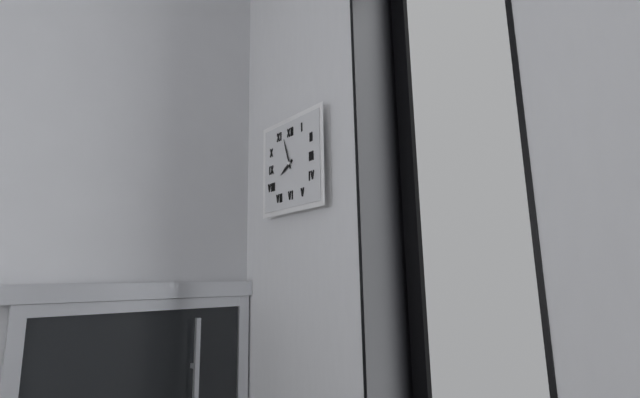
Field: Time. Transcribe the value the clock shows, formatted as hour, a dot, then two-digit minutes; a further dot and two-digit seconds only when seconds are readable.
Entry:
7.57
